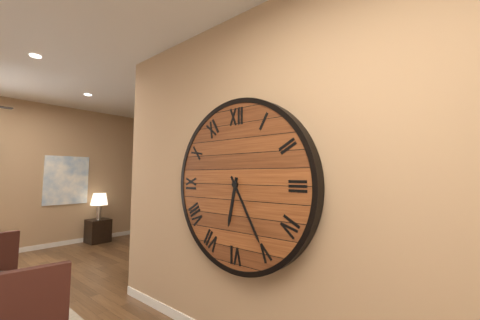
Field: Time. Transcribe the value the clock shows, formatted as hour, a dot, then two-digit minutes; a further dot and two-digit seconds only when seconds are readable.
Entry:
6.25
